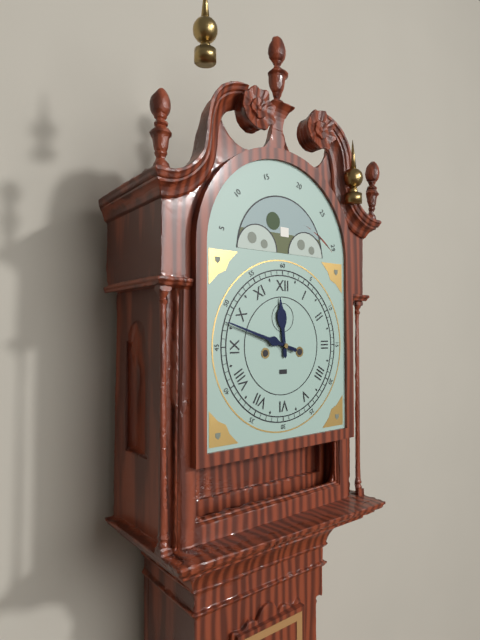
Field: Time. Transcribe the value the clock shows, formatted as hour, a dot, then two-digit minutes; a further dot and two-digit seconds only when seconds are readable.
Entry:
11.48
